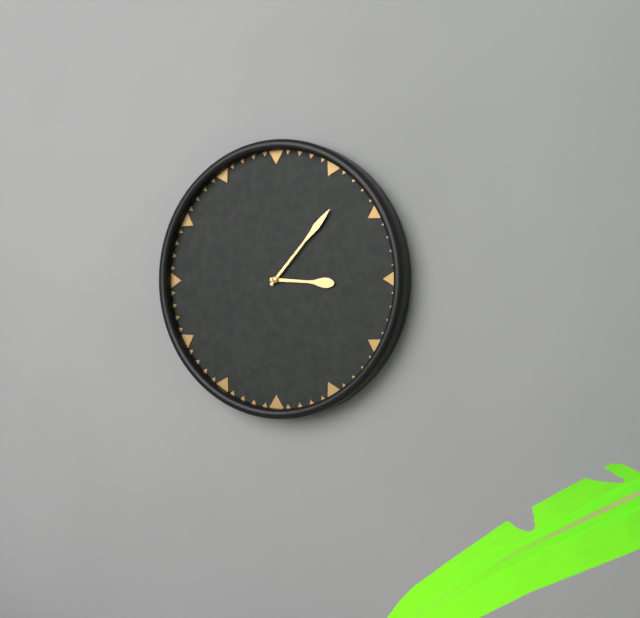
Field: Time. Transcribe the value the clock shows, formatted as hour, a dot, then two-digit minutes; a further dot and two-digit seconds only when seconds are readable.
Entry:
3.07
